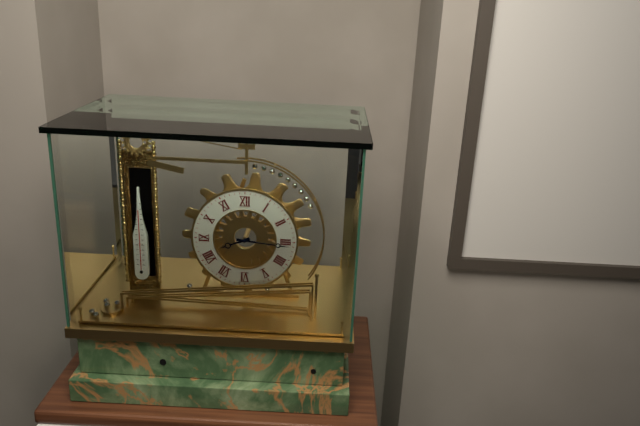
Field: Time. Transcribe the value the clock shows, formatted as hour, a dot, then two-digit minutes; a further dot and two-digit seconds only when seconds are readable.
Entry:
8.16
